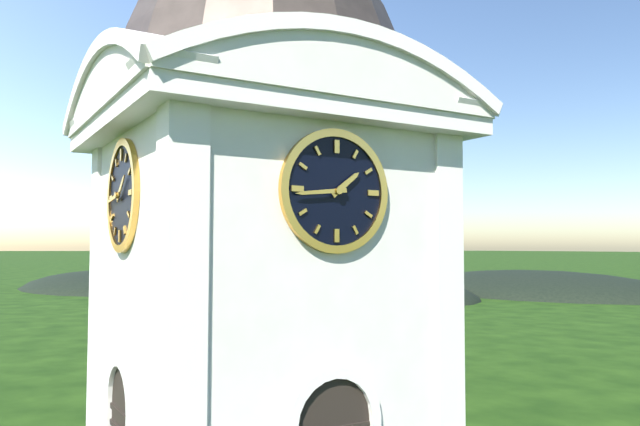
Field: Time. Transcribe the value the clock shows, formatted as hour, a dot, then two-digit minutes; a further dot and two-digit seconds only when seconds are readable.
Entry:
1.44
